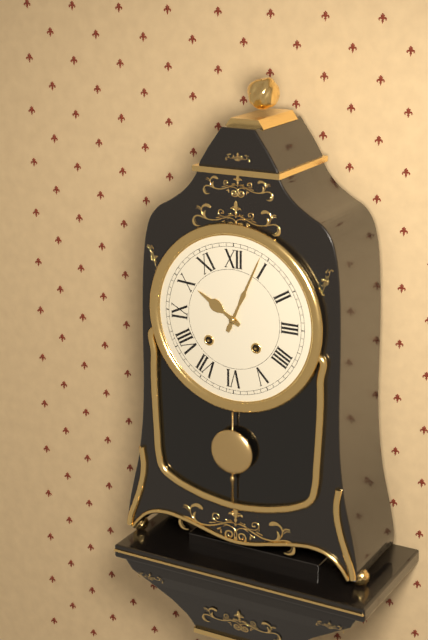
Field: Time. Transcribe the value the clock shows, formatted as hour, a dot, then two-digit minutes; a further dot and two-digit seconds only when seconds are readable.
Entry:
10.04
